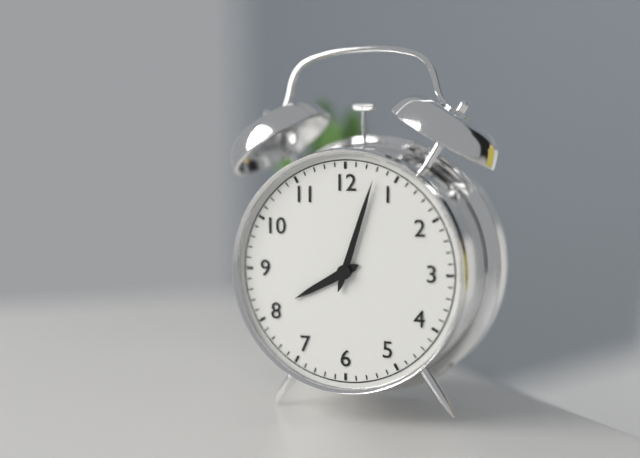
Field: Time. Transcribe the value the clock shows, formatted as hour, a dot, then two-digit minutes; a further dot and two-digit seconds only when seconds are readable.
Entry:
8.03
